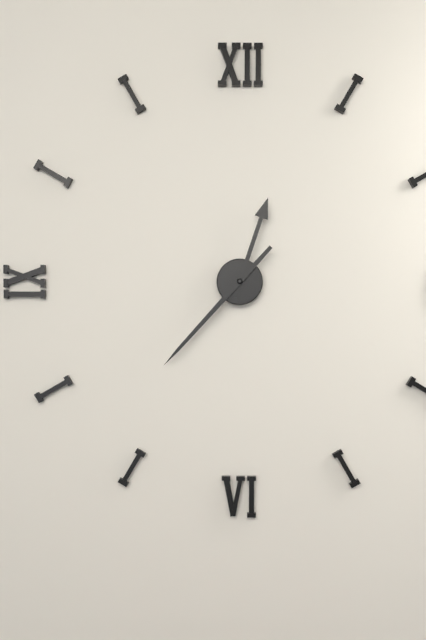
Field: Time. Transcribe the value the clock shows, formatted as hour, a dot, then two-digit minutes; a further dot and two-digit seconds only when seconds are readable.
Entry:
12.37
